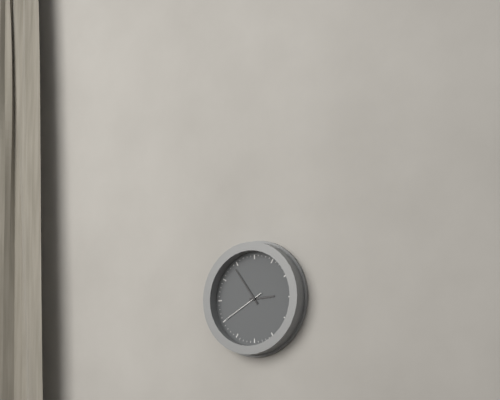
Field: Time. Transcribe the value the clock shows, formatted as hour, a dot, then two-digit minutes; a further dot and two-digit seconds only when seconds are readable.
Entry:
2.54
